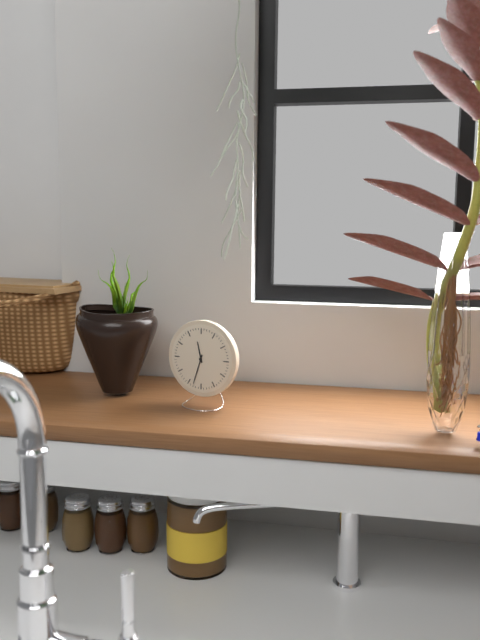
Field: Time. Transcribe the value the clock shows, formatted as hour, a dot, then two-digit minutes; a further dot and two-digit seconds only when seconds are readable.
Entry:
11.33
